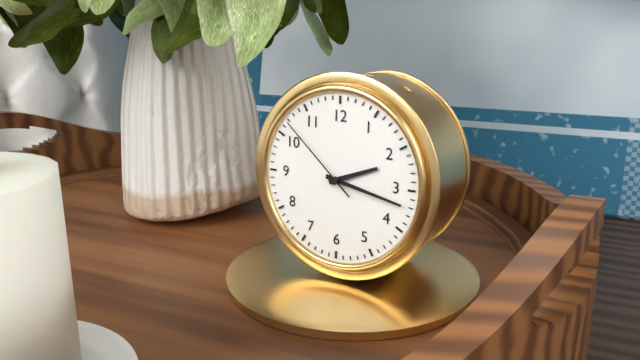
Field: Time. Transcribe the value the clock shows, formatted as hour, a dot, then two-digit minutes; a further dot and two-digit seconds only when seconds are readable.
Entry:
2.17.52
